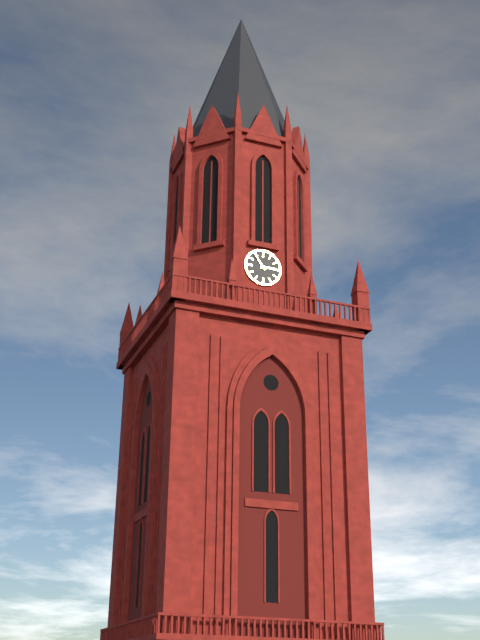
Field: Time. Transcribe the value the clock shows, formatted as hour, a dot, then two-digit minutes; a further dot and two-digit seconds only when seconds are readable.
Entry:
2.54
